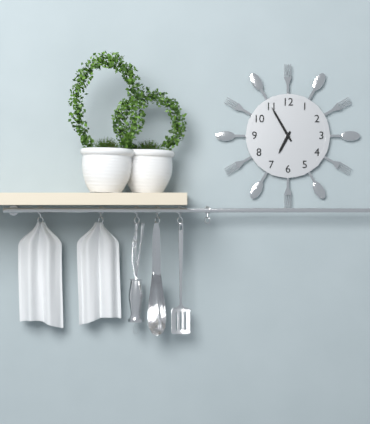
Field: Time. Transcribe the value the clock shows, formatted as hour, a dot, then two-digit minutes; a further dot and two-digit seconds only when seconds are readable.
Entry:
6.55
